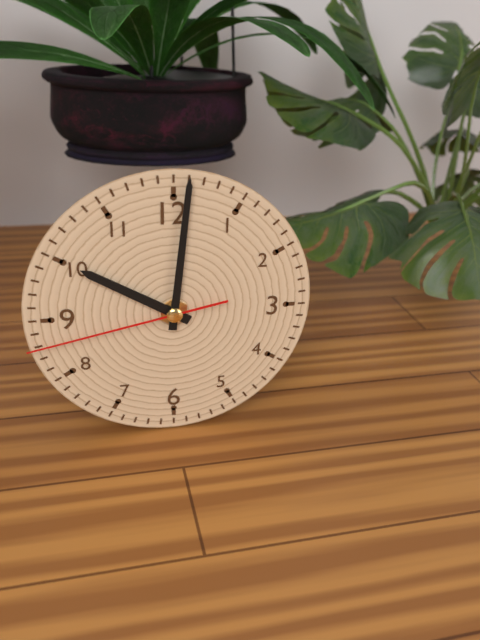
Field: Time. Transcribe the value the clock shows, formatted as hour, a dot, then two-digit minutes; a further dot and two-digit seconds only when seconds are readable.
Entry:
10.01.43
